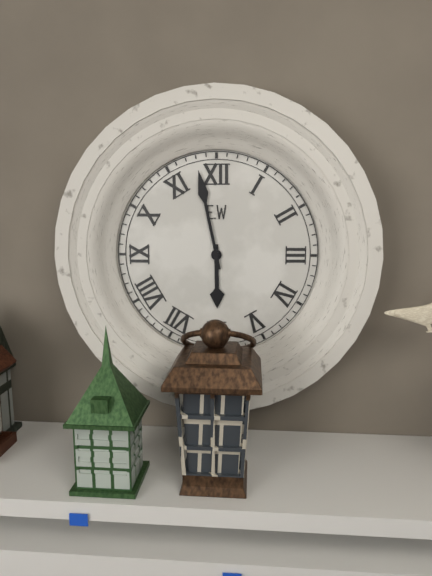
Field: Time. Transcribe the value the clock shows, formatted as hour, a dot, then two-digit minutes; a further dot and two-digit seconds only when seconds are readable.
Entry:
5.58
